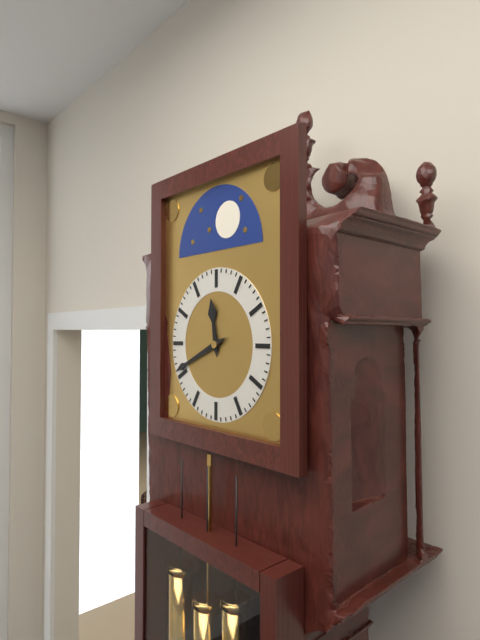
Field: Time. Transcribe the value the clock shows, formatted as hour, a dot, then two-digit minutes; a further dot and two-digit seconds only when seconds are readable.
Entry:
11.41
